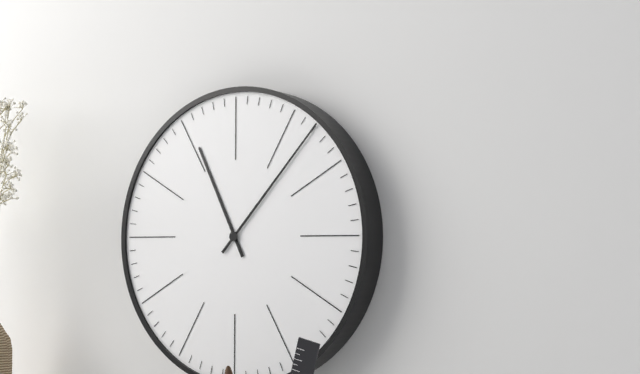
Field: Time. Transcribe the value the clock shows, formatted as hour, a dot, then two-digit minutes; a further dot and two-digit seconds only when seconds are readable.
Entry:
11.07
